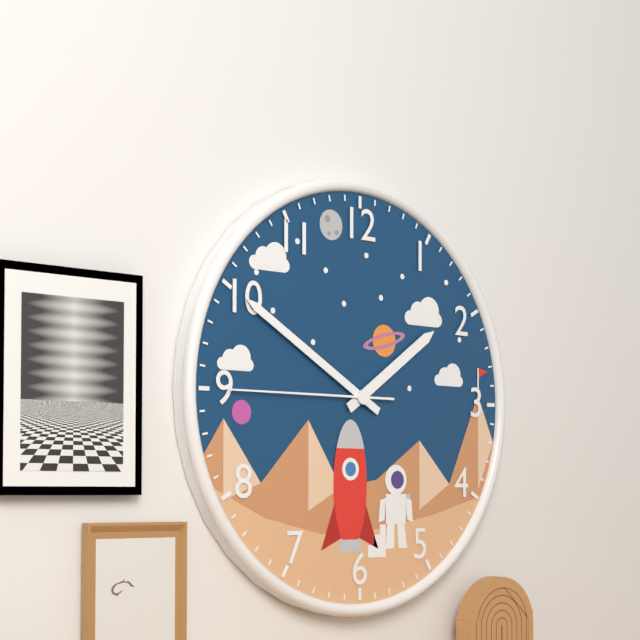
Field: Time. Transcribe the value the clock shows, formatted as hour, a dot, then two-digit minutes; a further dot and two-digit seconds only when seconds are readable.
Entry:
1.50.45
